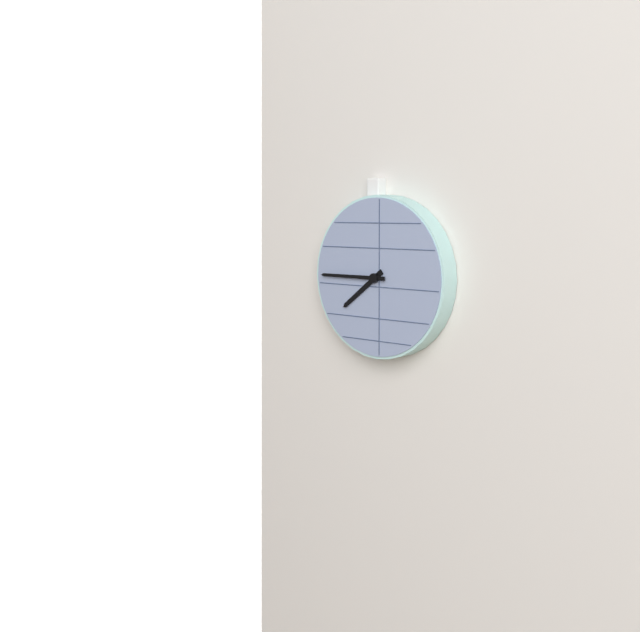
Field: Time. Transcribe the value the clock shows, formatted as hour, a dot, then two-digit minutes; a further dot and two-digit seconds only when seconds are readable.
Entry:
7.45
